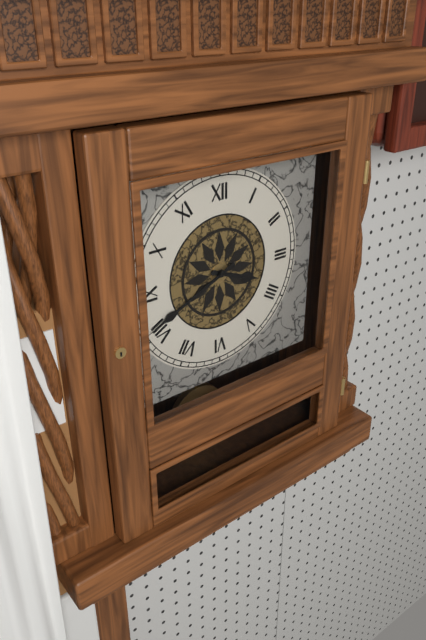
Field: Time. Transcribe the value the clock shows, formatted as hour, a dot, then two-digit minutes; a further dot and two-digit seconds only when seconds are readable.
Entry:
3.41
